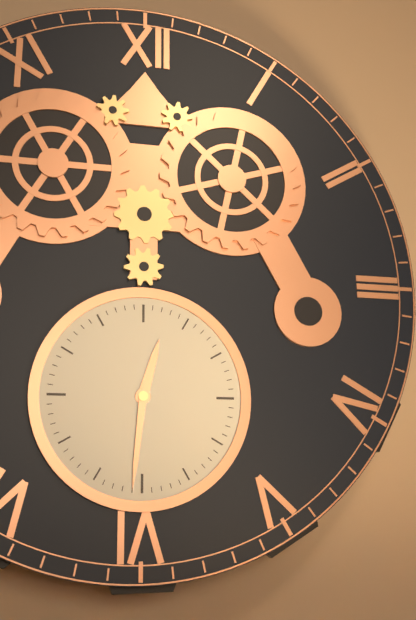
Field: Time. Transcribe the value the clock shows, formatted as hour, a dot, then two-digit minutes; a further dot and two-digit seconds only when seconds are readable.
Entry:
12.31
